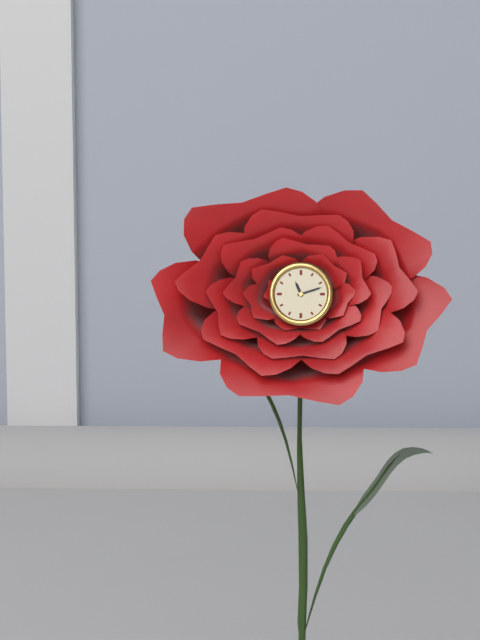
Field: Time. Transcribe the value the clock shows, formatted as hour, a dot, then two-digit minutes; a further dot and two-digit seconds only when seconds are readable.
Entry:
11.12
